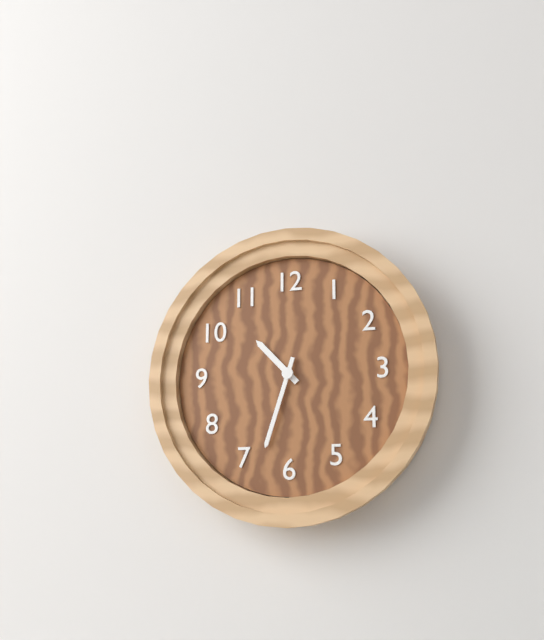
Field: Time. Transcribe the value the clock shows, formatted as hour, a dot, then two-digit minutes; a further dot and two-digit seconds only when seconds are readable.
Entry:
10.33
